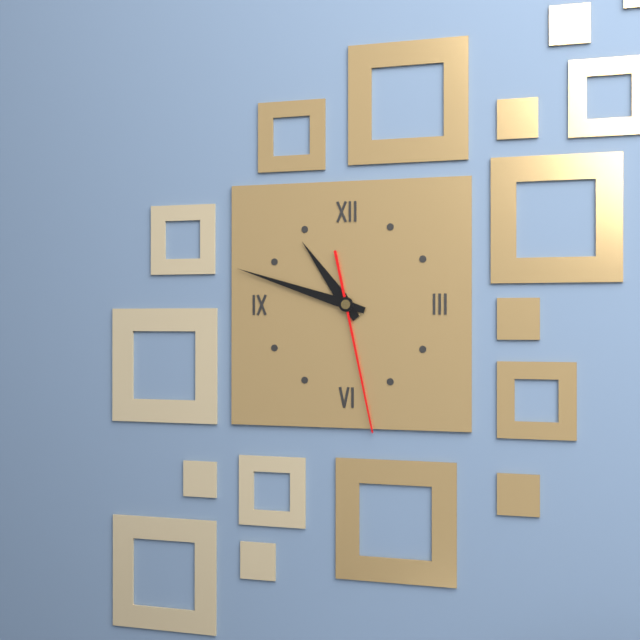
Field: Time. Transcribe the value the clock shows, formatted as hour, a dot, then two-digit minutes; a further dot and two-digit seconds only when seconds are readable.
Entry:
10.48.28
